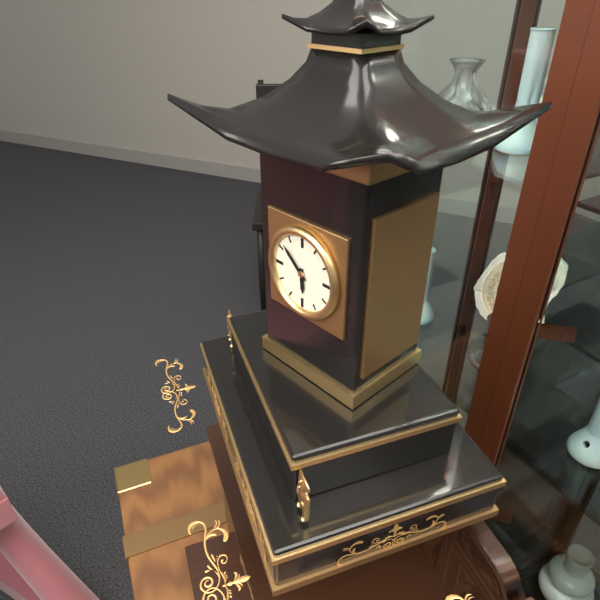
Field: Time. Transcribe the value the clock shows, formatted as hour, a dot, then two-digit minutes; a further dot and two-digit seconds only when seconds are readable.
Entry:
5.52
